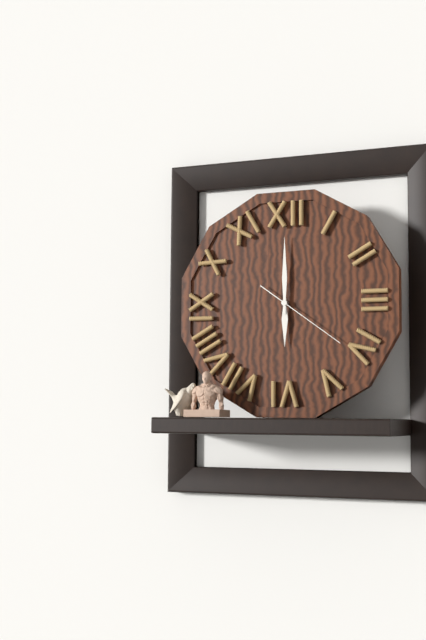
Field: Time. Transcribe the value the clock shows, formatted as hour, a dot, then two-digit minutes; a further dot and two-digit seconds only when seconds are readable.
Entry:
6.00.21
